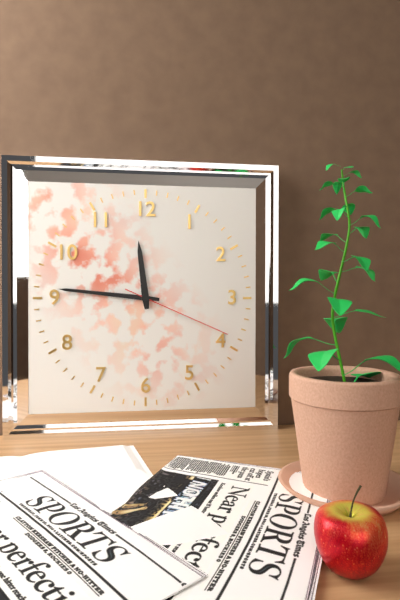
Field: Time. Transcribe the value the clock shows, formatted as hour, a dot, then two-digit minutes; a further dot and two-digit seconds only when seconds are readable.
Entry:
11.46.19
